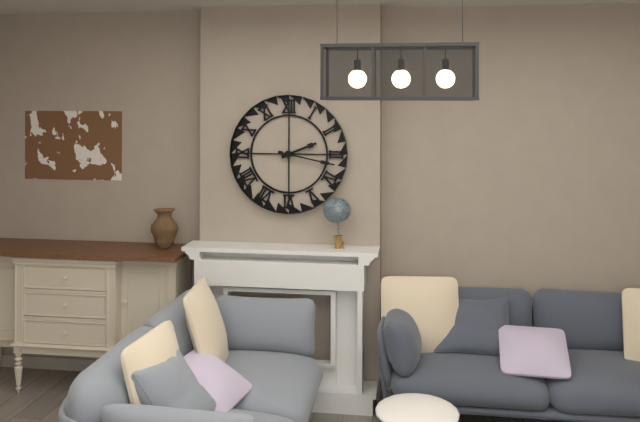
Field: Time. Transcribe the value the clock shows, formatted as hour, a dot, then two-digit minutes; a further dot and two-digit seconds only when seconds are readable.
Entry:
2.17
